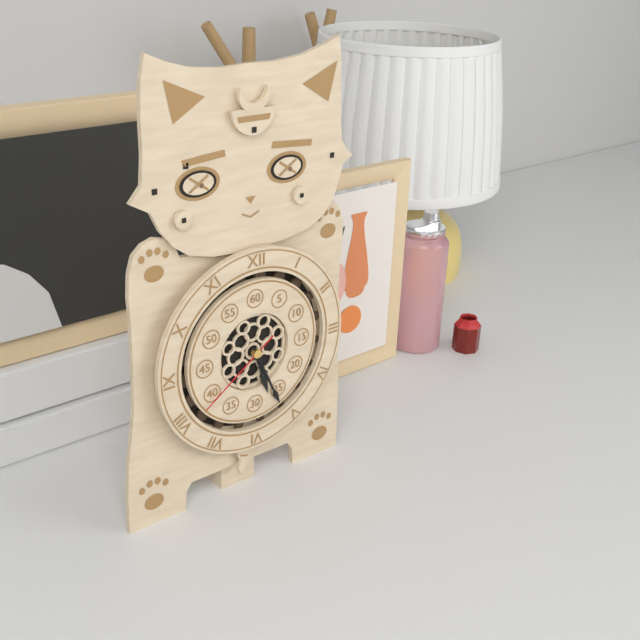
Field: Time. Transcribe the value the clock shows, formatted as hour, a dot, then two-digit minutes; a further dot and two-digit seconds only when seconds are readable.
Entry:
5.26.39
